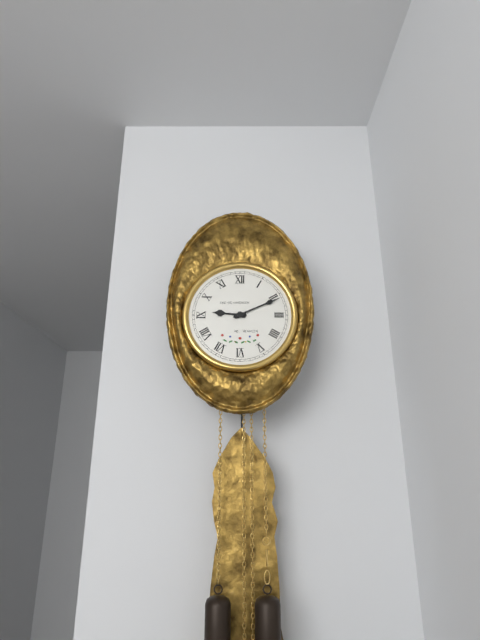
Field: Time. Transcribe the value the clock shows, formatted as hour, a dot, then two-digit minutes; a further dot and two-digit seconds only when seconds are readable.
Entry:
9.11
